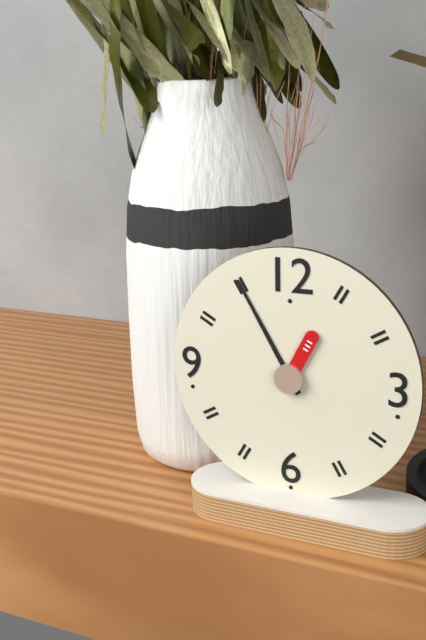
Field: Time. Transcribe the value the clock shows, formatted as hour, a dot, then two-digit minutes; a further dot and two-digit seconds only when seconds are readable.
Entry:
12.55
